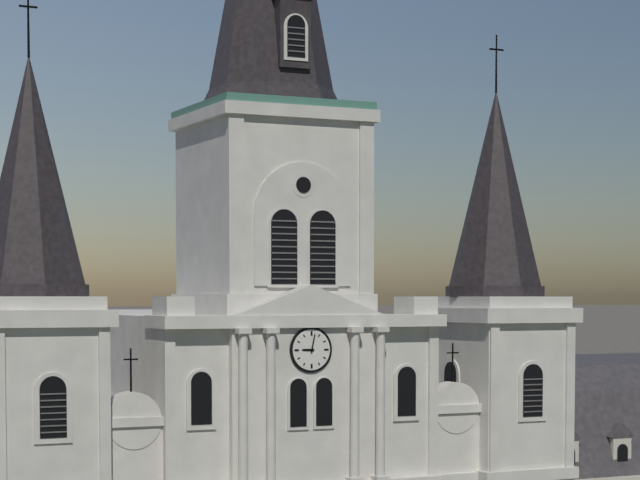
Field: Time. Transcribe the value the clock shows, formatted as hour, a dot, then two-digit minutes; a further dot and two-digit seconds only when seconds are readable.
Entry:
9.02
